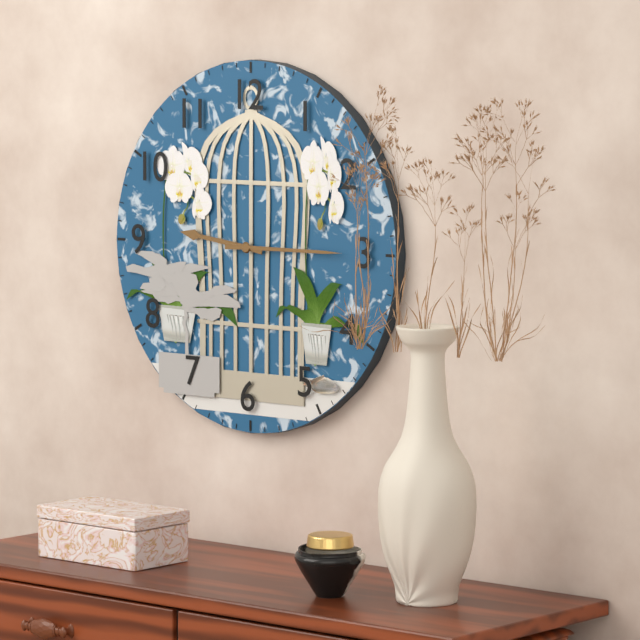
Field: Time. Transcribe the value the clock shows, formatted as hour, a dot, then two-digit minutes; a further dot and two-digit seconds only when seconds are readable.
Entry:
9.15
